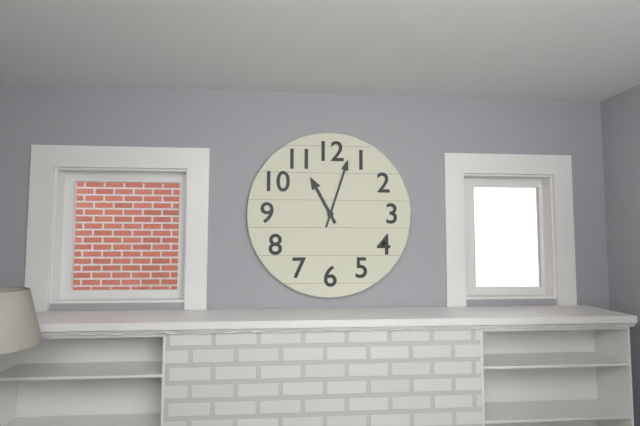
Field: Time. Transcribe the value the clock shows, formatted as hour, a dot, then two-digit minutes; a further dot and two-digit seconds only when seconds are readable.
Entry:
11.03
